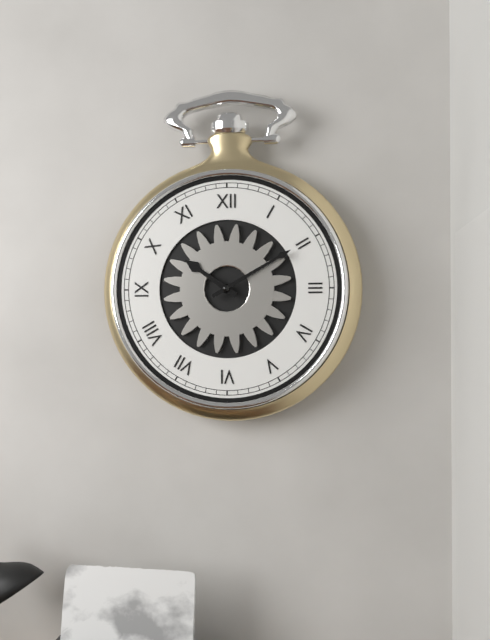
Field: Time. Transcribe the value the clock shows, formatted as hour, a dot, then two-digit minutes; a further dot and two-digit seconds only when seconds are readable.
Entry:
10.10
